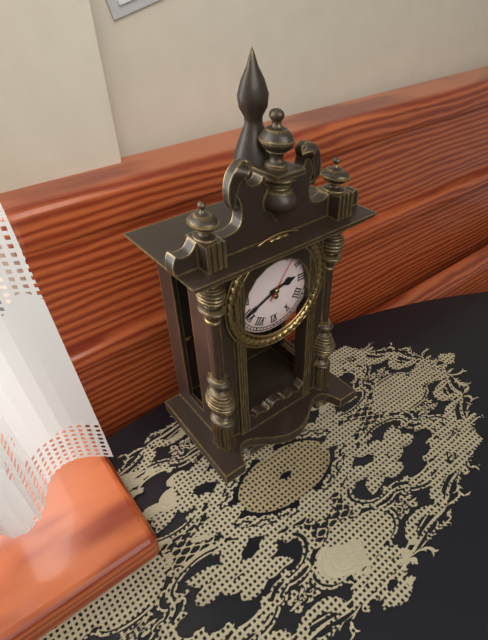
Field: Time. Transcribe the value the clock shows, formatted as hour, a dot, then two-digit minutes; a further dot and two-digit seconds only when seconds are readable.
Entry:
2.41.06
